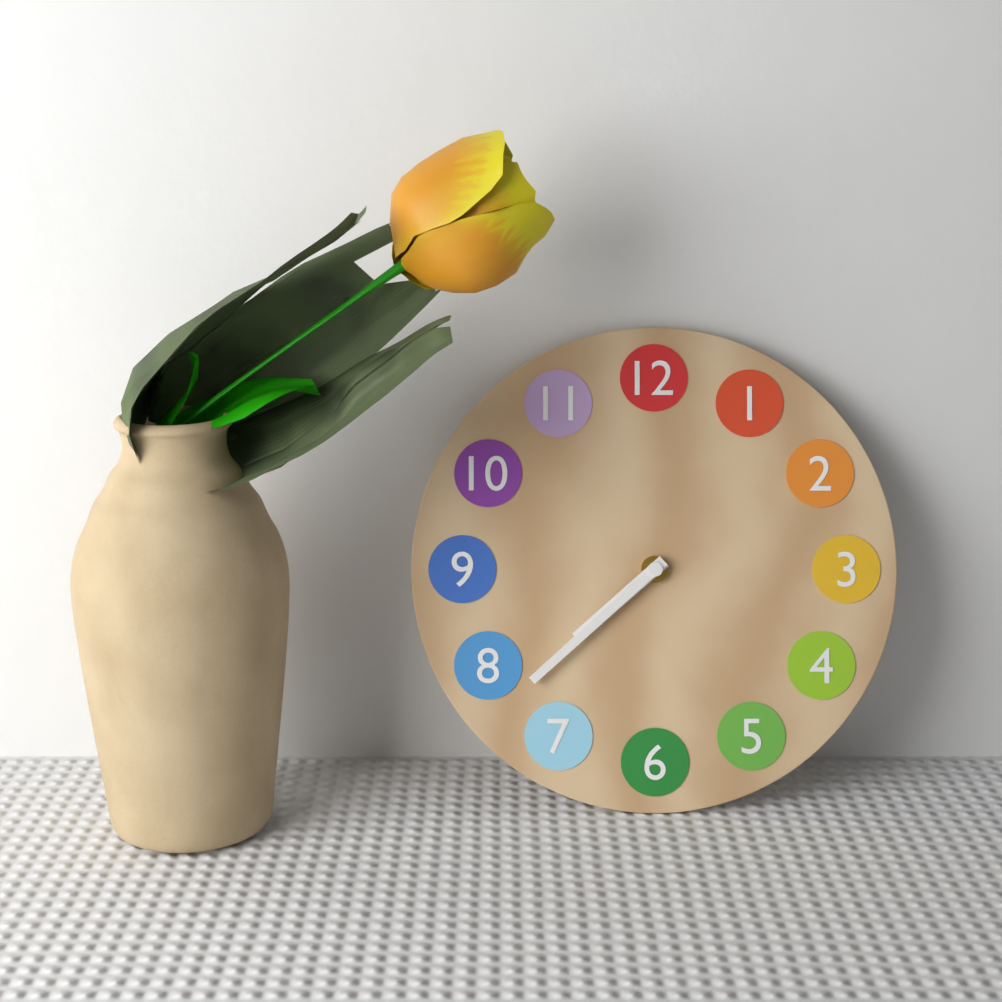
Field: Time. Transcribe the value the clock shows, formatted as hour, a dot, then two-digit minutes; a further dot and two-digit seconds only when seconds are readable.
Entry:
7.38
